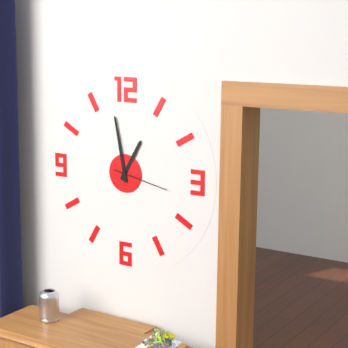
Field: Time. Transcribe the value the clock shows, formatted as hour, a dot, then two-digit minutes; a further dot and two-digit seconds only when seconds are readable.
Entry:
12.58.17
